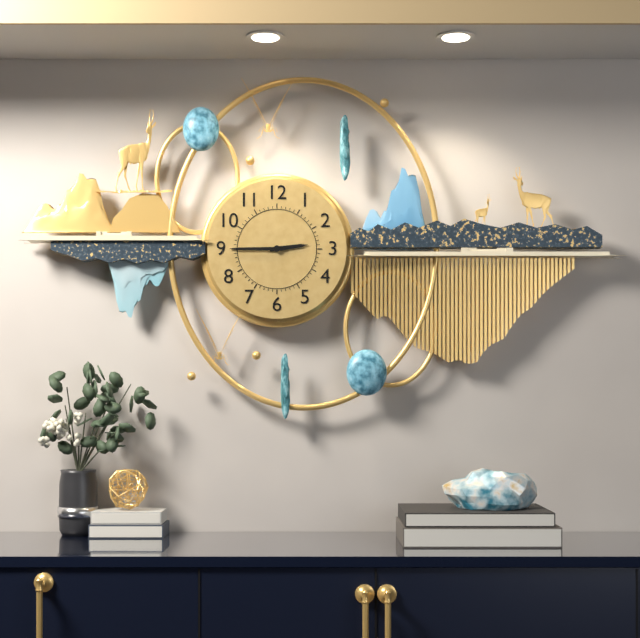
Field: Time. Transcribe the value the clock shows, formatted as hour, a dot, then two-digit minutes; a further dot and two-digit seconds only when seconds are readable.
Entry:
2.45
